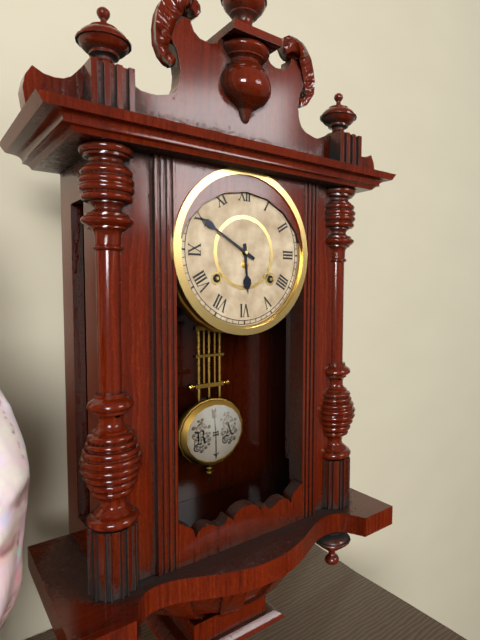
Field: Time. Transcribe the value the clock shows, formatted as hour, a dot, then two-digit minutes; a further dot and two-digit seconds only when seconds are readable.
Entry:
5.50
